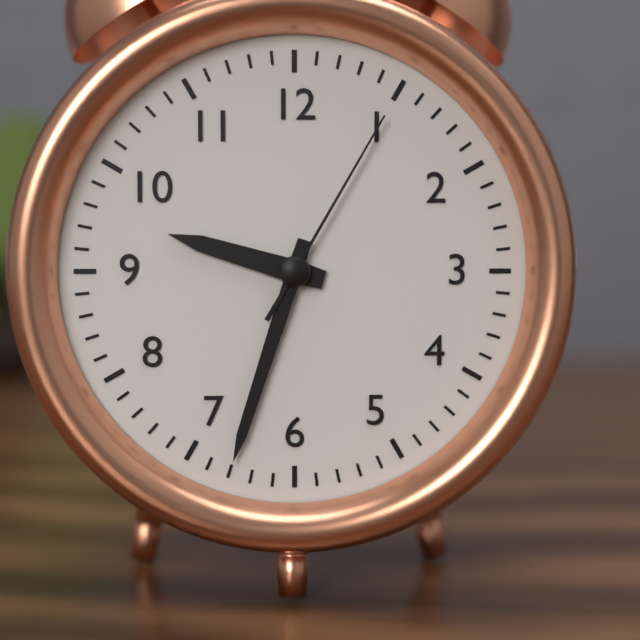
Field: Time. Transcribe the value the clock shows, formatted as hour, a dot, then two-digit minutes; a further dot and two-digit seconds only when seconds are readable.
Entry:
9.33.05
